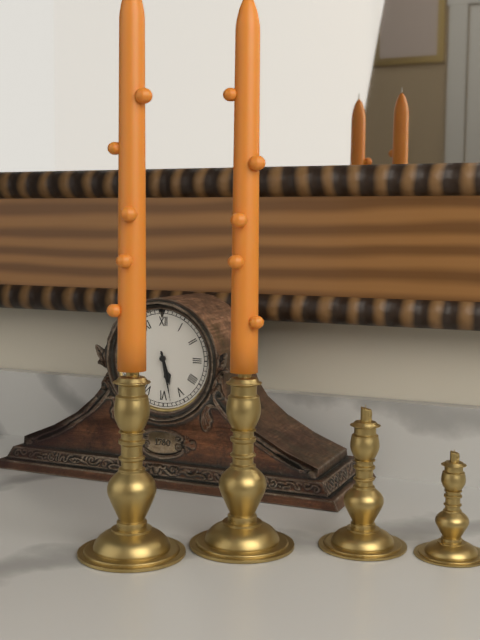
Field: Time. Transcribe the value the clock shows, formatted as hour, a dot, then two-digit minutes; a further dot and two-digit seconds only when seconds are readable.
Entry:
5.28
